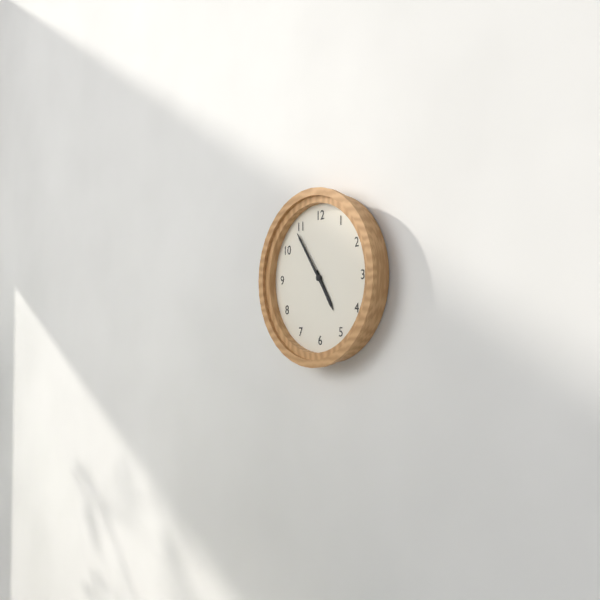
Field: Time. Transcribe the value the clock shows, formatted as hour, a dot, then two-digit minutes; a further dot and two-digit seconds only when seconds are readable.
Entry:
4.54
